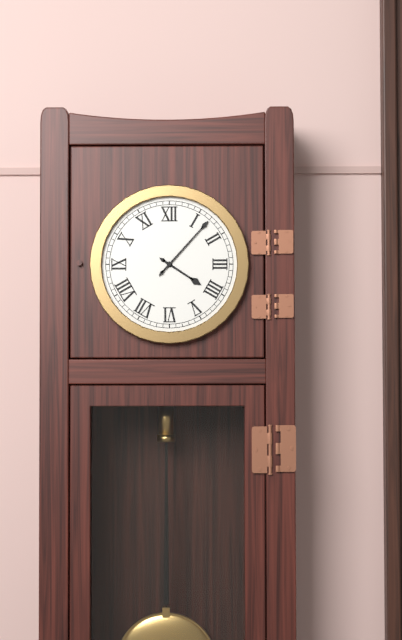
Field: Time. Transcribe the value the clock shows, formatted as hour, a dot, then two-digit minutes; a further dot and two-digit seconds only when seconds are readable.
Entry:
4.07
